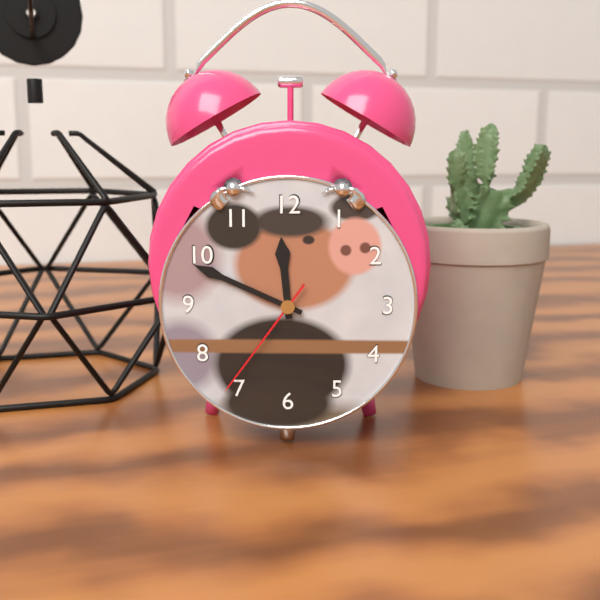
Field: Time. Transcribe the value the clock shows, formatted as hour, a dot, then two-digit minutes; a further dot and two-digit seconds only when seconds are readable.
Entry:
11.49.36
